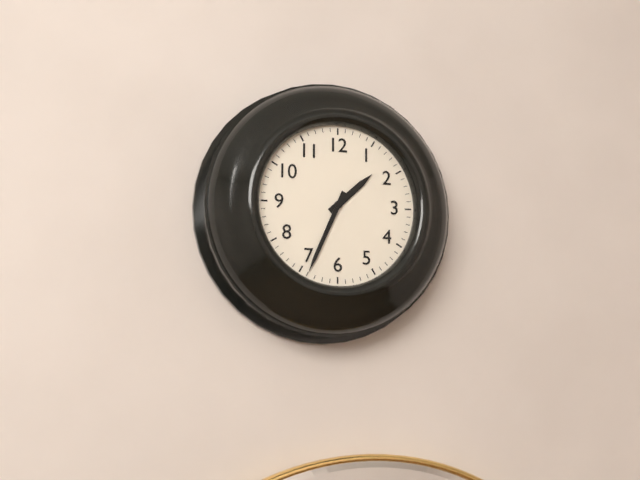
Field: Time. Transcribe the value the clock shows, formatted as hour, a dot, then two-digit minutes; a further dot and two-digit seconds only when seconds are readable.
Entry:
1.34
